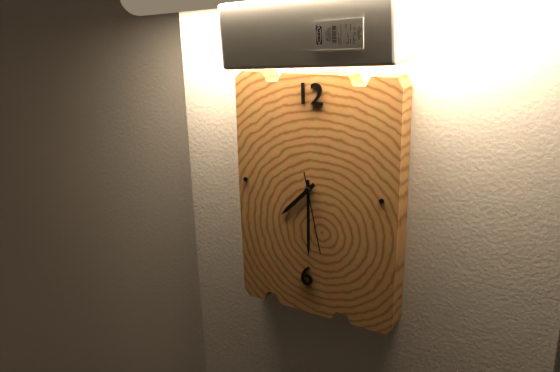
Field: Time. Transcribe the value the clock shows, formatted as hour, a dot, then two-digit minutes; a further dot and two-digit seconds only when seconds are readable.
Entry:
7.30.28
